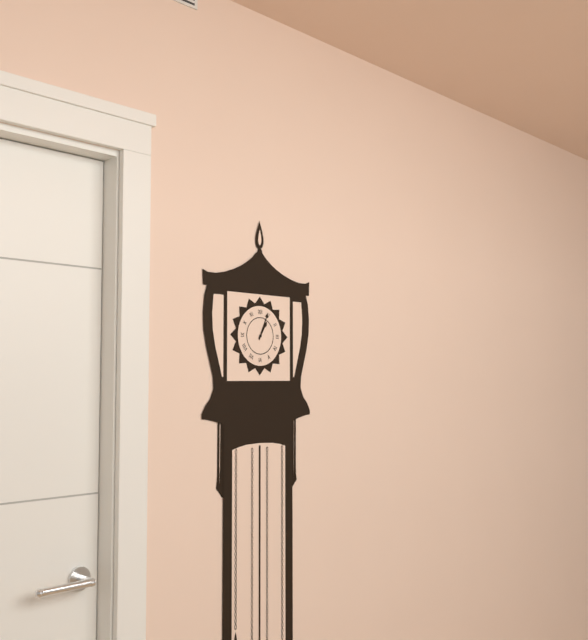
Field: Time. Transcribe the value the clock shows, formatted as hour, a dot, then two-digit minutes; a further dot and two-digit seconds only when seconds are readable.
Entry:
1.04
